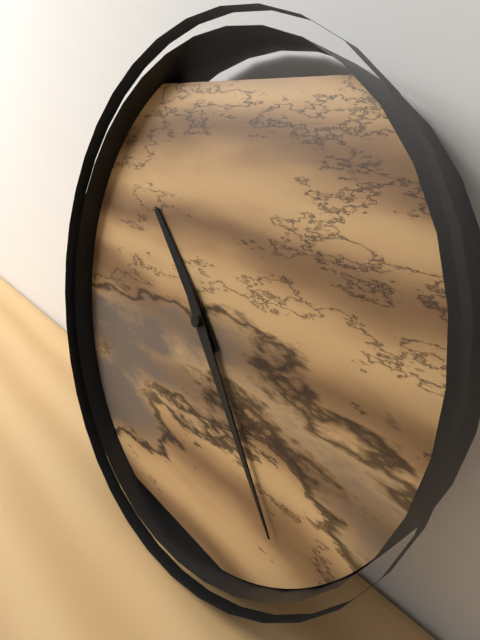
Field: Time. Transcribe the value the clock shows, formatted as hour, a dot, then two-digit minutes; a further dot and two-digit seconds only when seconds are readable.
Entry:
10.23
